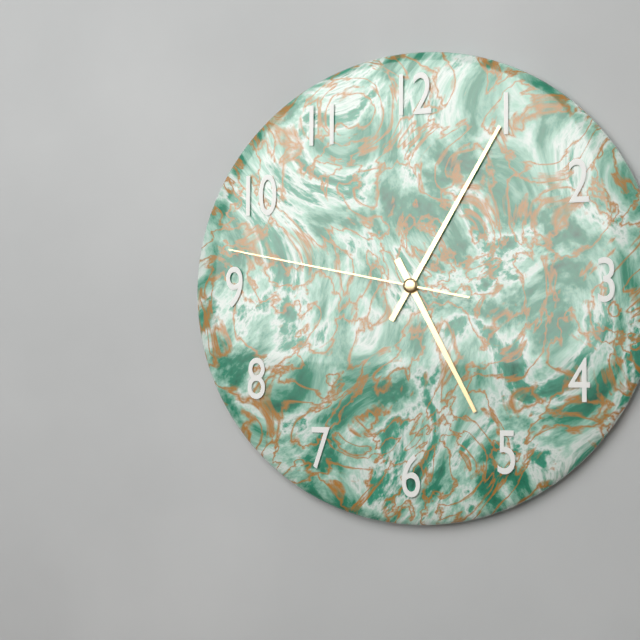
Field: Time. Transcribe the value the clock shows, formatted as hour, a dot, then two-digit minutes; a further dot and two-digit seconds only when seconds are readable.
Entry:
5.05.47
